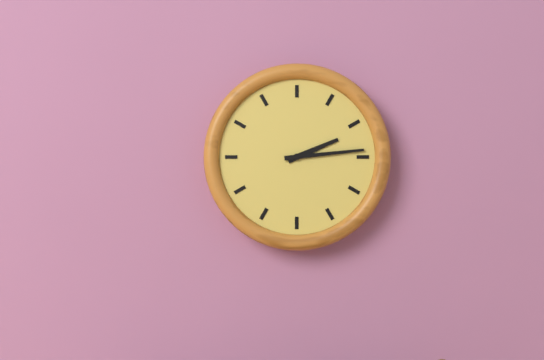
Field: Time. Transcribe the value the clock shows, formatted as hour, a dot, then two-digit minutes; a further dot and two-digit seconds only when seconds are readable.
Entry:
2.14
